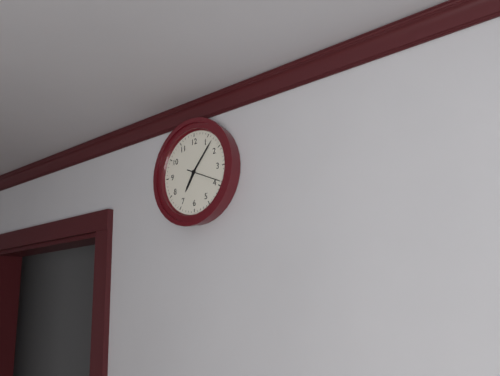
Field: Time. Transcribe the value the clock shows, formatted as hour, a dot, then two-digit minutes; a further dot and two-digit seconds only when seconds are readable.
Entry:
7.07
